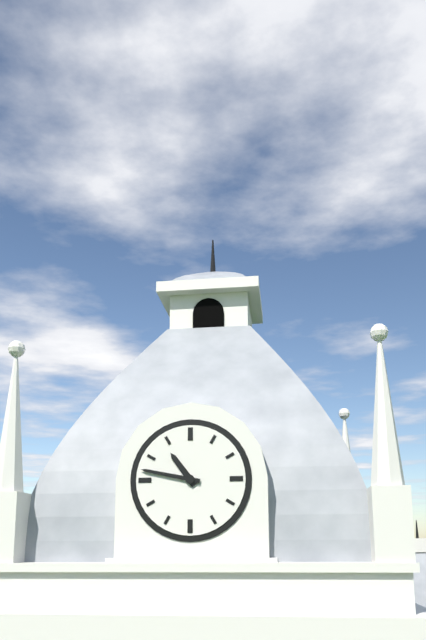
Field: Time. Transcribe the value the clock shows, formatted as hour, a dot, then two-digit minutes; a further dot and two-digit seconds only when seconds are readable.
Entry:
10.47
